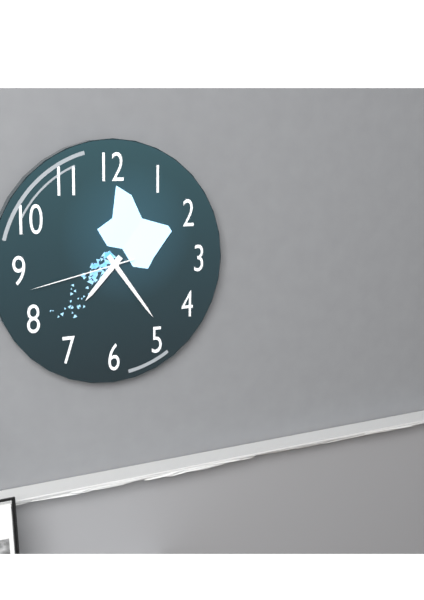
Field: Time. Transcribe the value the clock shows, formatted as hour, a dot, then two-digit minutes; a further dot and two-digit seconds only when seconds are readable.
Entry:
7.24.43
